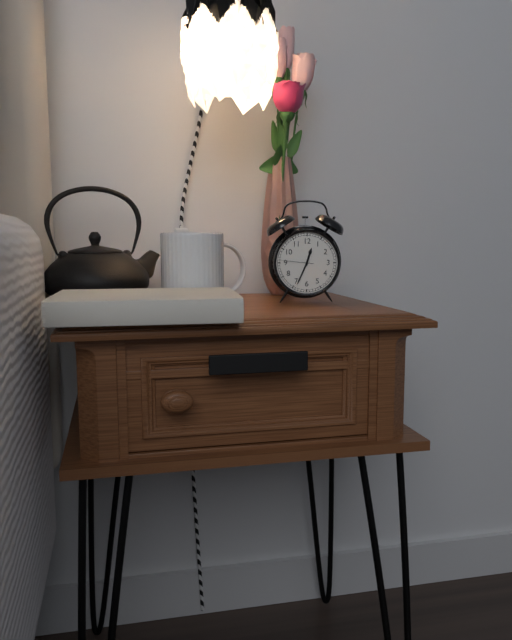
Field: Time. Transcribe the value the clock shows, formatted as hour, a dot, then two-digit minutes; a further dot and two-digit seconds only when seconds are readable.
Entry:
12.34
